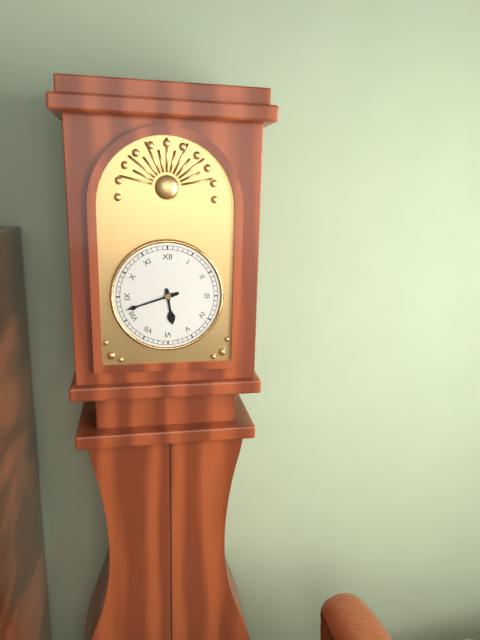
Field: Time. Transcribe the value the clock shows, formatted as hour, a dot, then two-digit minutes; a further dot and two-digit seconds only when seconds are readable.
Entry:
5.42
